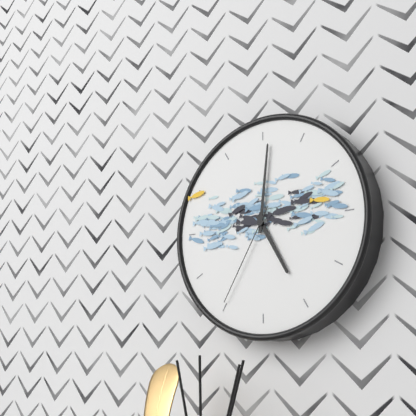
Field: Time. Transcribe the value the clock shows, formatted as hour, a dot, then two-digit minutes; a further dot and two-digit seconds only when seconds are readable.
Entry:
5.01.35
